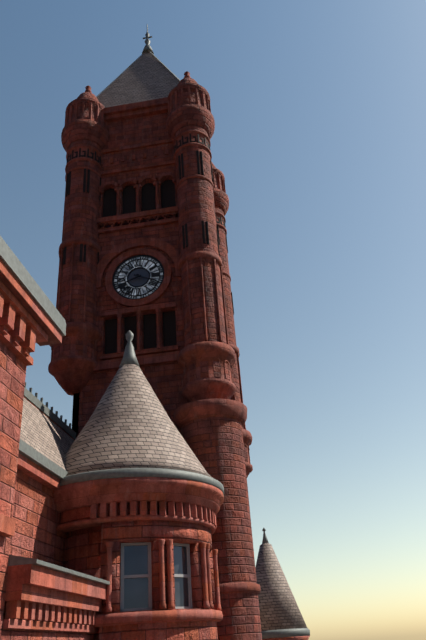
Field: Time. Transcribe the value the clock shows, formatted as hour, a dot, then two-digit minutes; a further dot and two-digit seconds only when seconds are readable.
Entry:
8.19
